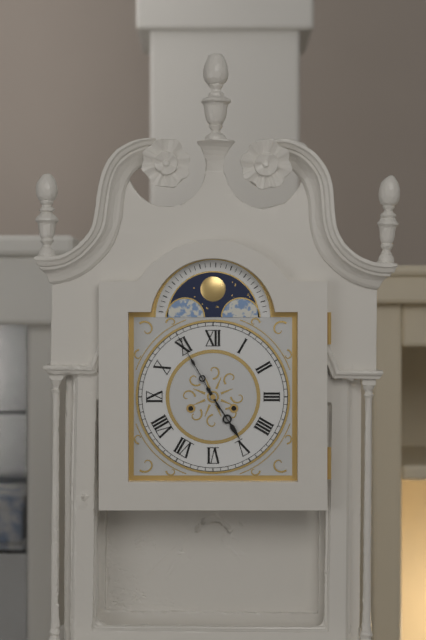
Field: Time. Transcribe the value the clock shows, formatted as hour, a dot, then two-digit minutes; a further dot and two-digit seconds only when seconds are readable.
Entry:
4.55
